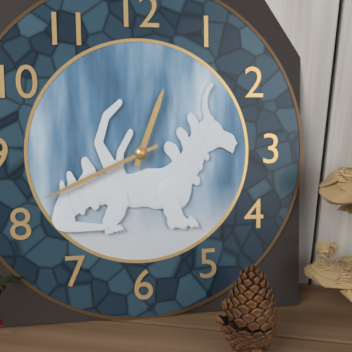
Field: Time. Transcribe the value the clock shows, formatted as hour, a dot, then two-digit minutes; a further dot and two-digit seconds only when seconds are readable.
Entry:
12.41
